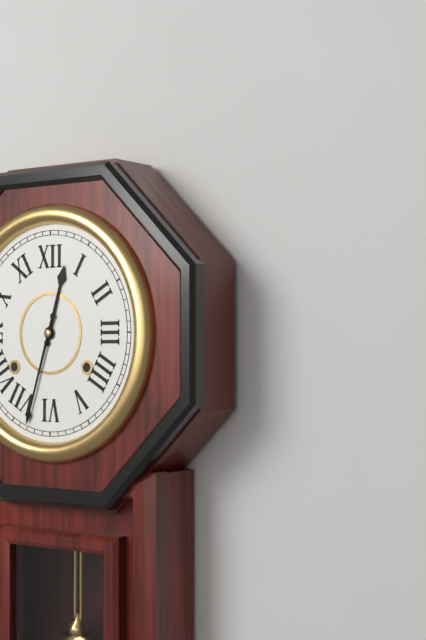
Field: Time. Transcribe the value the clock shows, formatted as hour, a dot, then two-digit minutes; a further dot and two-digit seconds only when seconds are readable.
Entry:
12.33
